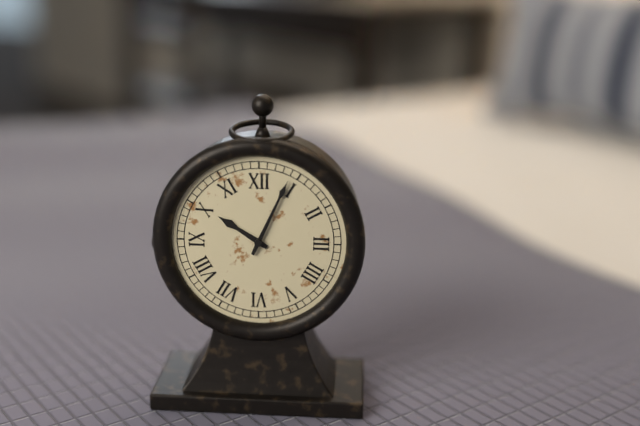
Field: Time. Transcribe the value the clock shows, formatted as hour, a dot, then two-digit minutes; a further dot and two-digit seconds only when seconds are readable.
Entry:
10.04
